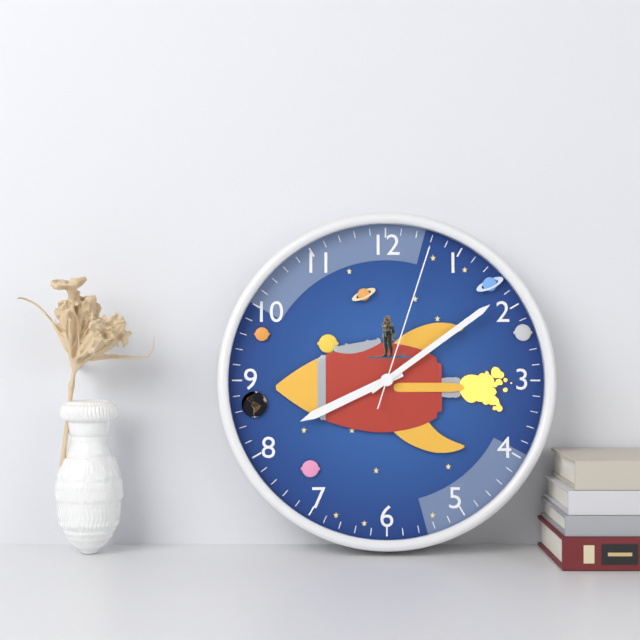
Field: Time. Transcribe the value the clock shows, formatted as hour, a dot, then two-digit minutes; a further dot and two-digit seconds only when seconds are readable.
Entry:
8.09.03
